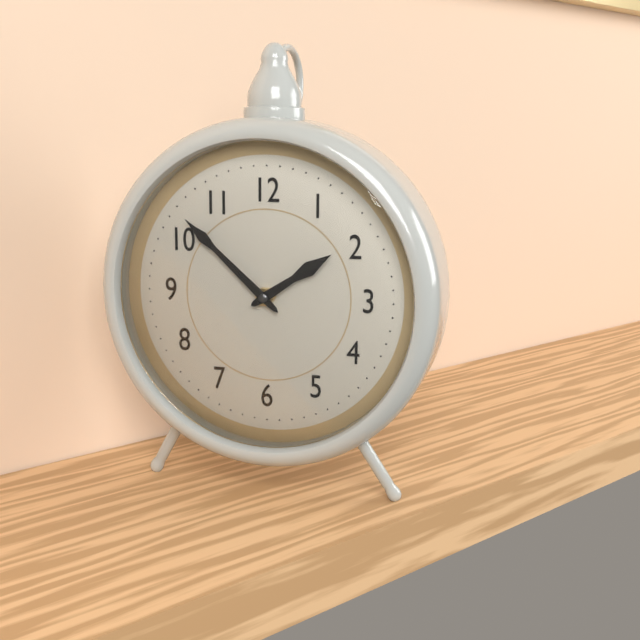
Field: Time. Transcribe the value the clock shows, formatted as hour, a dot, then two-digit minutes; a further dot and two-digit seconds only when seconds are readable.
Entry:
1.52
